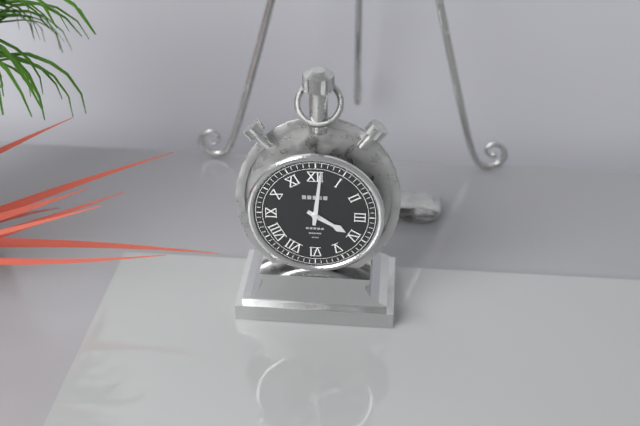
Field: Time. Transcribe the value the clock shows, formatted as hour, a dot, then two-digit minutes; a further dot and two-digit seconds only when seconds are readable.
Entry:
4.01
